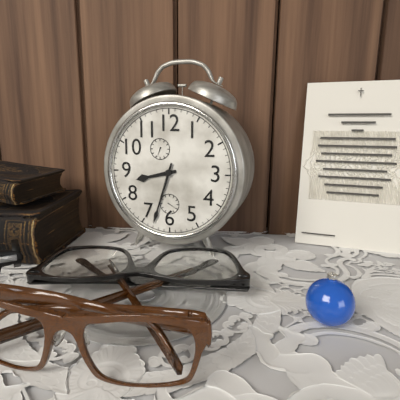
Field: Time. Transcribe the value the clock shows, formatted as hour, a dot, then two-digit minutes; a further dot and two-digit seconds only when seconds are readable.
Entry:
8.33
